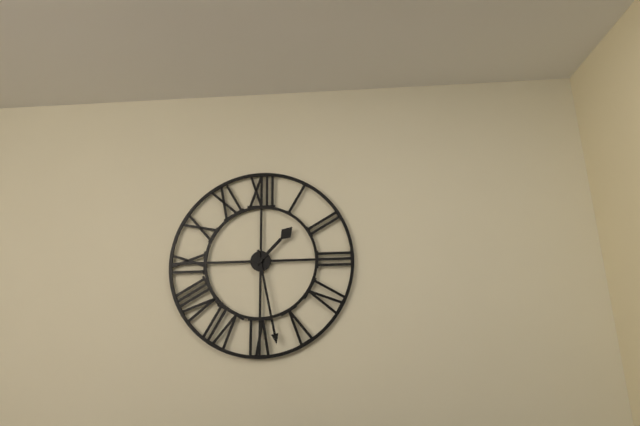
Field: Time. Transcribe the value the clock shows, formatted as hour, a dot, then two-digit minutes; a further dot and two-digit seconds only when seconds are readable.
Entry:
1.28
